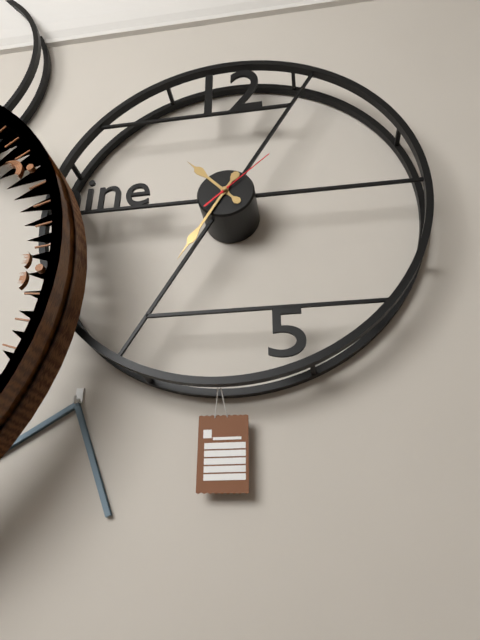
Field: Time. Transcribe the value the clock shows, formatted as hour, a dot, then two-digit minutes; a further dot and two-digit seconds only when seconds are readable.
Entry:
10.35.08
